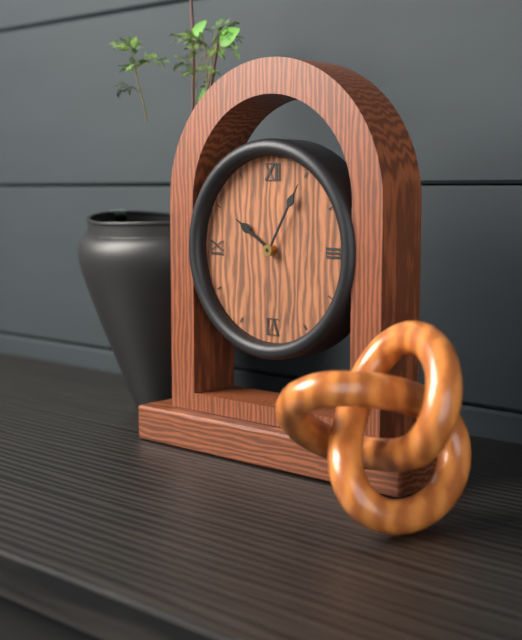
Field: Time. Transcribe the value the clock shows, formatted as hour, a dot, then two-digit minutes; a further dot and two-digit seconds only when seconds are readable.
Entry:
10.05
